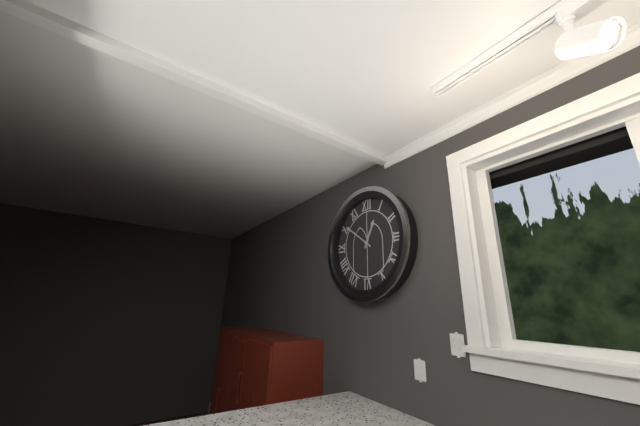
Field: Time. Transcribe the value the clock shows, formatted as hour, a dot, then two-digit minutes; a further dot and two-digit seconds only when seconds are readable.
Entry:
12.51
